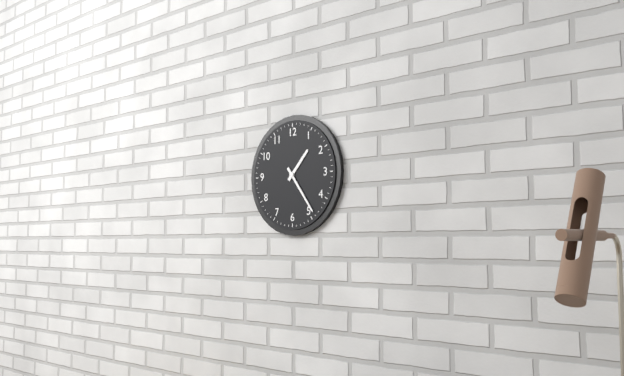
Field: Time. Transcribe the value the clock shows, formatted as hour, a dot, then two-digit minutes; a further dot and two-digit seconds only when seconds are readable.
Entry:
1.24
